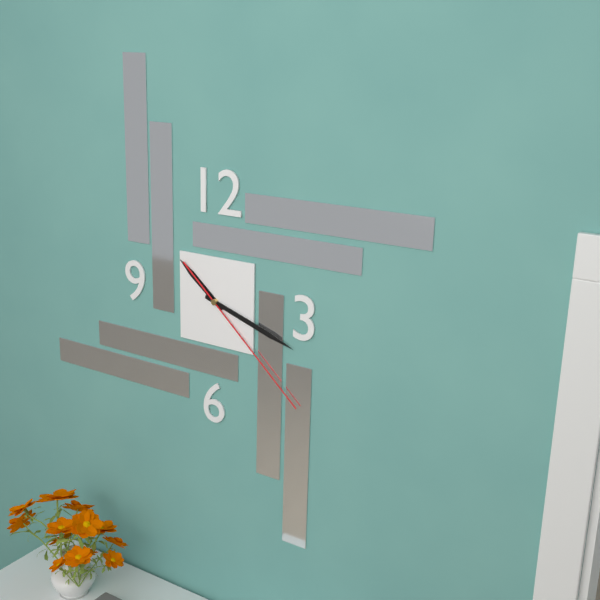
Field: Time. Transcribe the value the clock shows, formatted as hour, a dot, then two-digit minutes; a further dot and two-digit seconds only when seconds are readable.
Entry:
10.18.22
